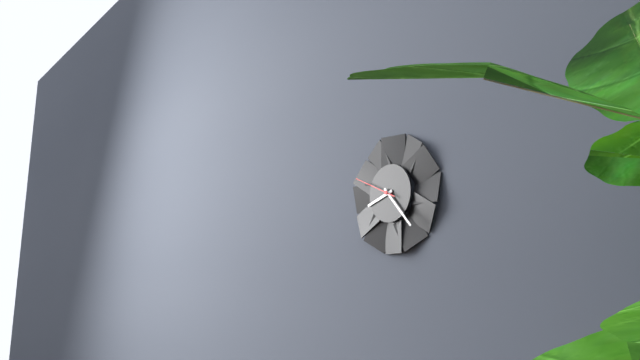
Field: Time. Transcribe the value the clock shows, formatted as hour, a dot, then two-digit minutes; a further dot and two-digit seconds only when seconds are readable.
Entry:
8.23
